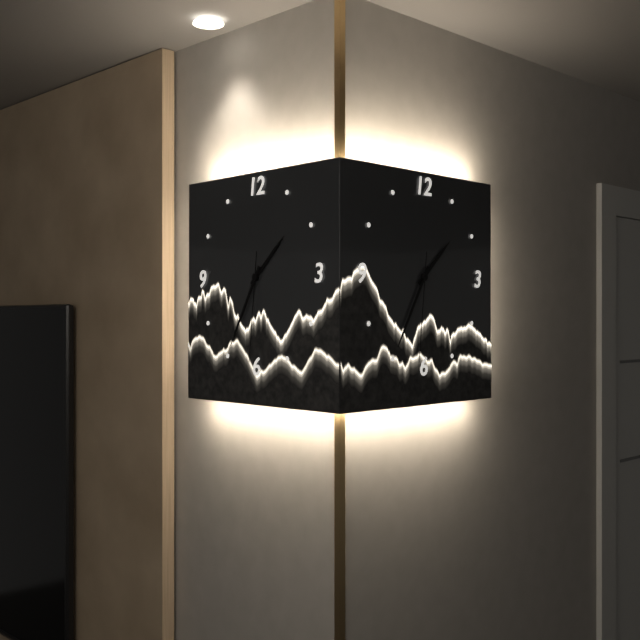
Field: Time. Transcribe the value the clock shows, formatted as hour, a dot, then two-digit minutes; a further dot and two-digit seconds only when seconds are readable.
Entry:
1.35.31
